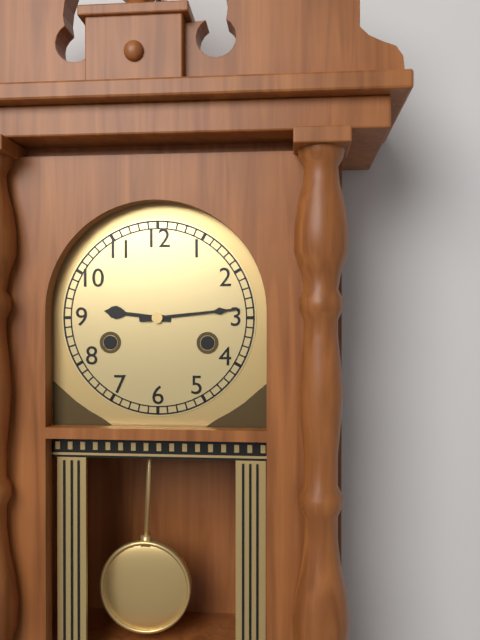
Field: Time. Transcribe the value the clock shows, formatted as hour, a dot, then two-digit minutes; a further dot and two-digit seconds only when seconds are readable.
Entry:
9.14
